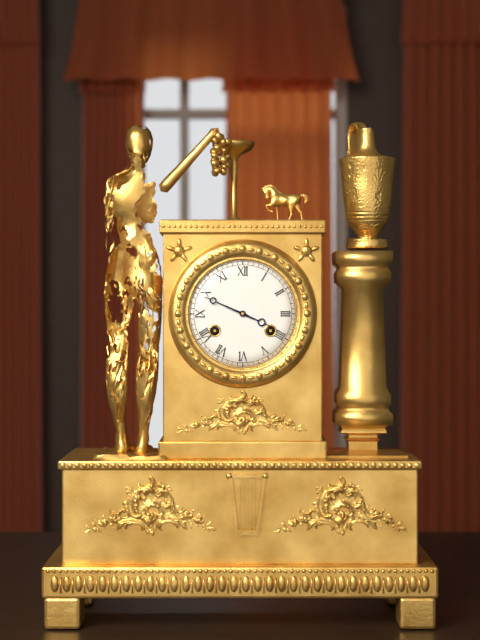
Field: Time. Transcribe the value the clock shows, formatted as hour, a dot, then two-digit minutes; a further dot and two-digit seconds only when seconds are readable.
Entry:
3.49
